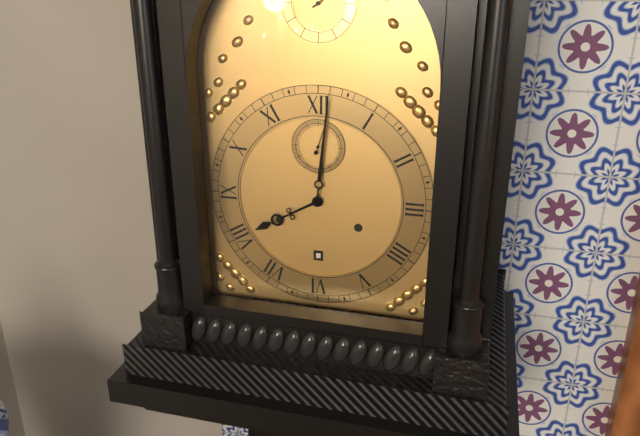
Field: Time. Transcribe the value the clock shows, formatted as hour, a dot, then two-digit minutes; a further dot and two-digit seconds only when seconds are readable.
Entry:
8.01
